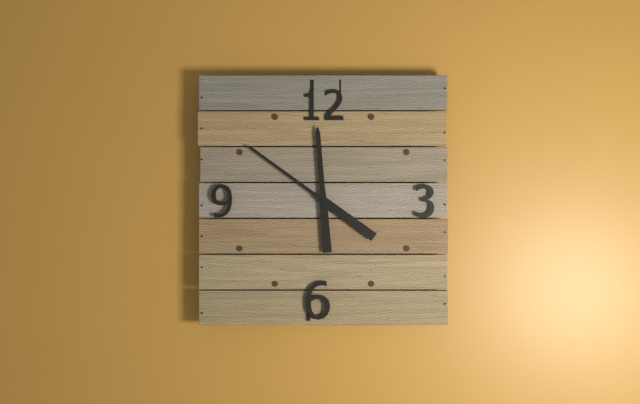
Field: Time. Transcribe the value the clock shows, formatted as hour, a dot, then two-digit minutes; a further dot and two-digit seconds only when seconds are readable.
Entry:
11.51
